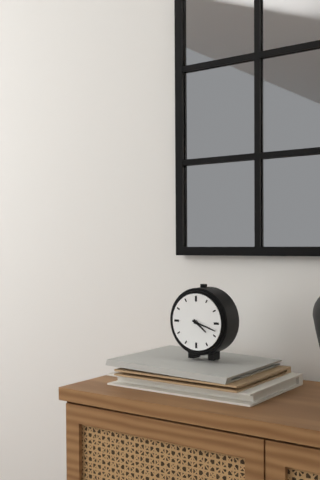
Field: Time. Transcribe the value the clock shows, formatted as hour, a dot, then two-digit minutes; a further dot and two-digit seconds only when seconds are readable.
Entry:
4.18
